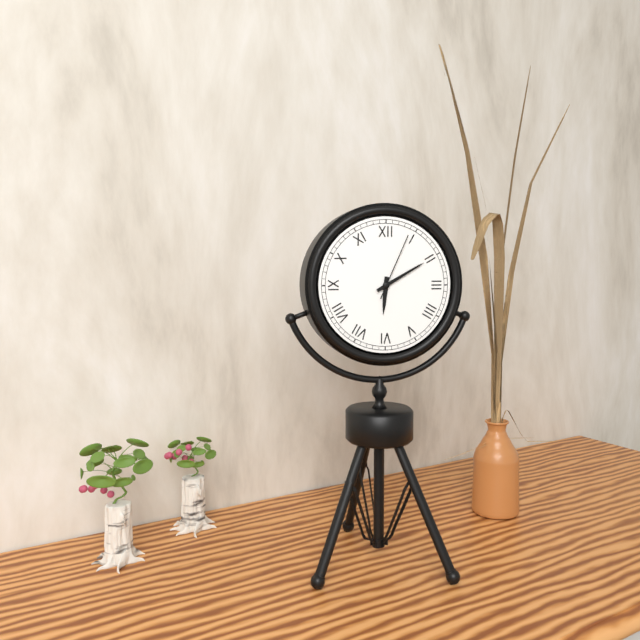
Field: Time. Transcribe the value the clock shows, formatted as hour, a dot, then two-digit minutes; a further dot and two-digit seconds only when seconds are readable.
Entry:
6.10.04
